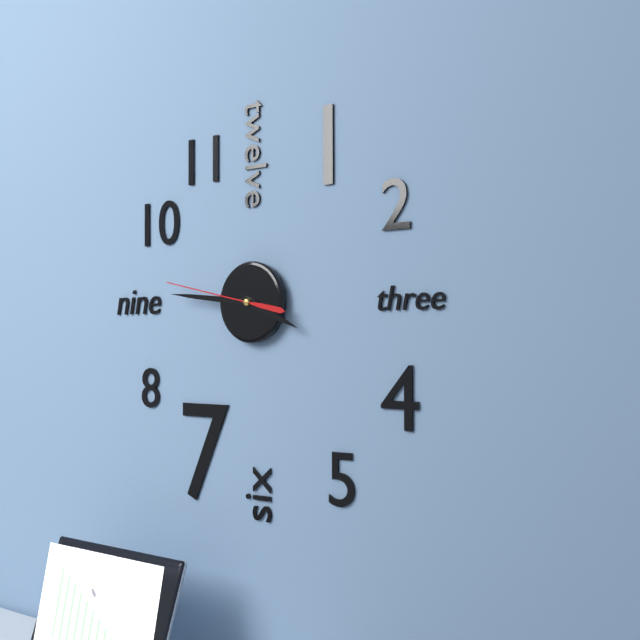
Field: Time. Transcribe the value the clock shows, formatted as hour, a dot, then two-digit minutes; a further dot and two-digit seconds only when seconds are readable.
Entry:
3.46.47
